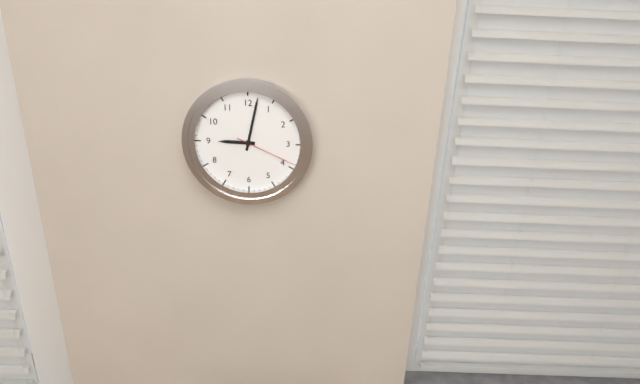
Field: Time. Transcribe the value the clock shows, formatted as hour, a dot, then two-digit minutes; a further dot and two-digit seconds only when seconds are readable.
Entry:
9.02.19
